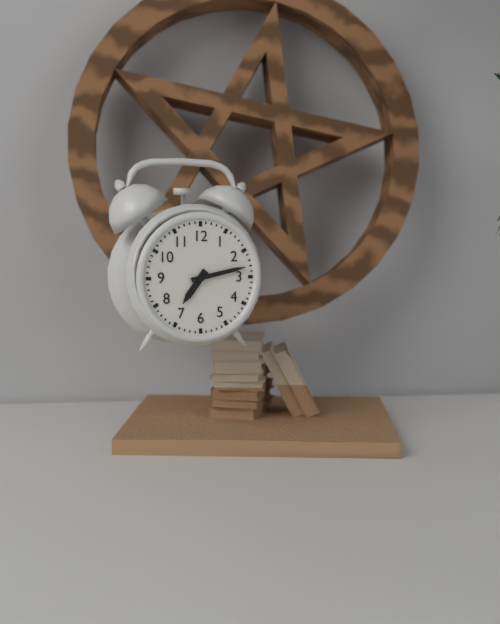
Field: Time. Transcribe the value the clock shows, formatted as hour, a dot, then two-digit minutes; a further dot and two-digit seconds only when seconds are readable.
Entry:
7.13
